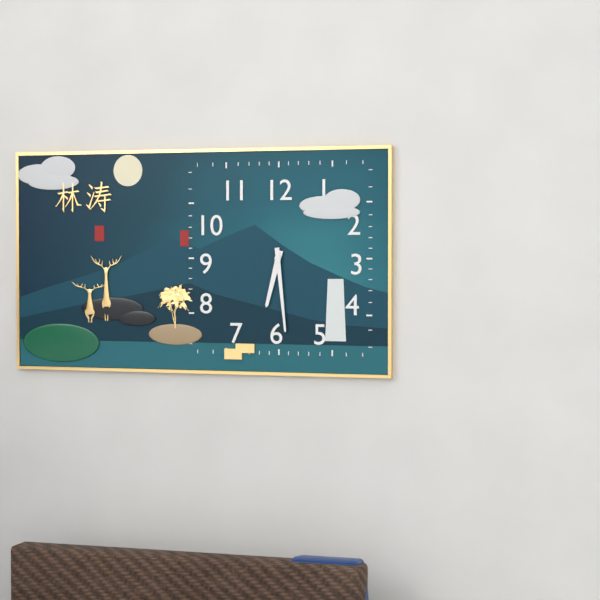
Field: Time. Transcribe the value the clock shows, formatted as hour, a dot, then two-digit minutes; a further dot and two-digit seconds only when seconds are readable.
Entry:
6.29
